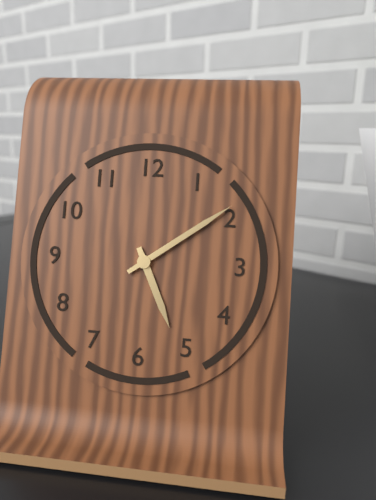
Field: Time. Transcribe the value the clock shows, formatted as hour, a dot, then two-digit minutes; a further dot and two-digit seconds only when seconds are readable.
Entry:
5.09
